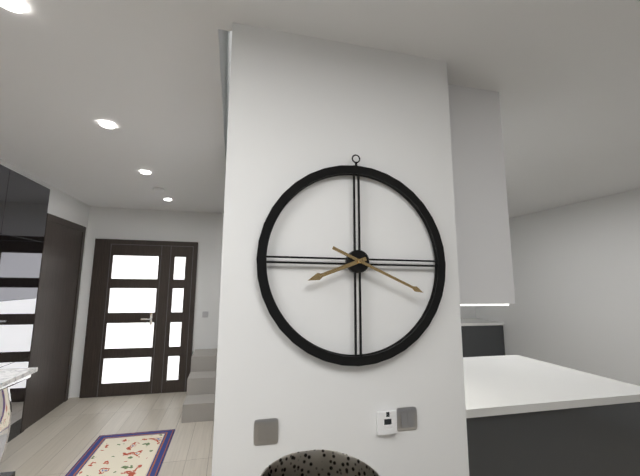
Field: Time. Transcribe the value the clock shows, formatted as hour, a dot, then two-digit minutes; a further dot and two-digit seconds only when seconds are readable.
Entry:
8.19
